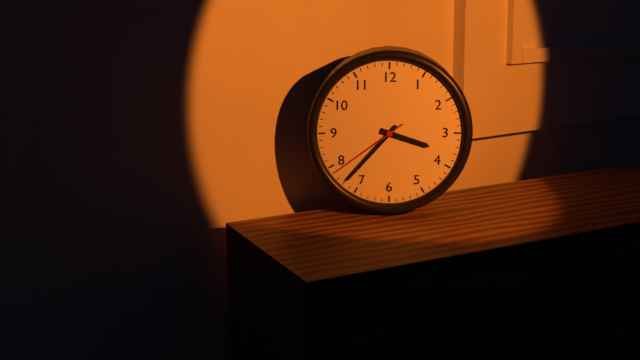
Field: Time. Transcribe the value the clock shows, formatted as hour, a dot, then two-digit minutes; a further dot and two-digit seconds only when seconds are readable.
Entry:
3.37.39
